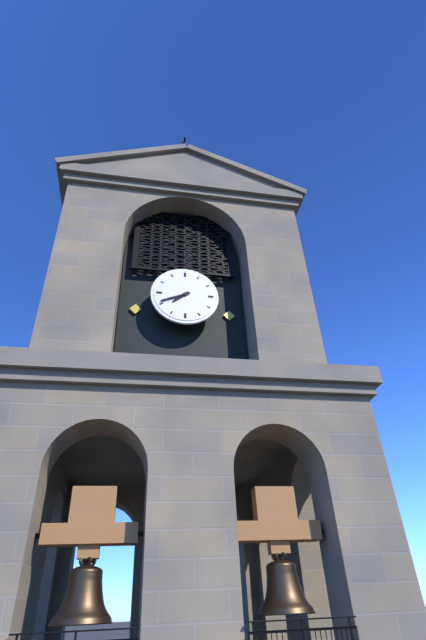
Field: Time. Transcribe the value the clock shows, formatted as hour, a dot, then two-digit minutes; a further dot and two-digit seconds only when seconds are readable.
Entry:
7.41
